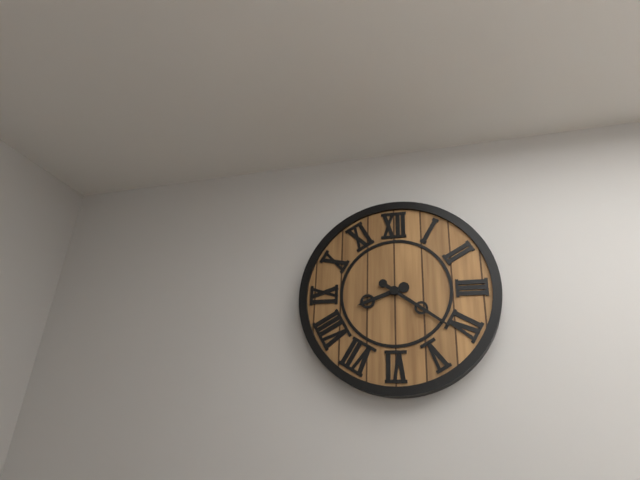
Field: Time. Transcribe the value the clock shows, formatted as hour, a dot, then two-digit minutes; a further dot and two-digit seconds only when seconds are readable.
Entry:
8.21
